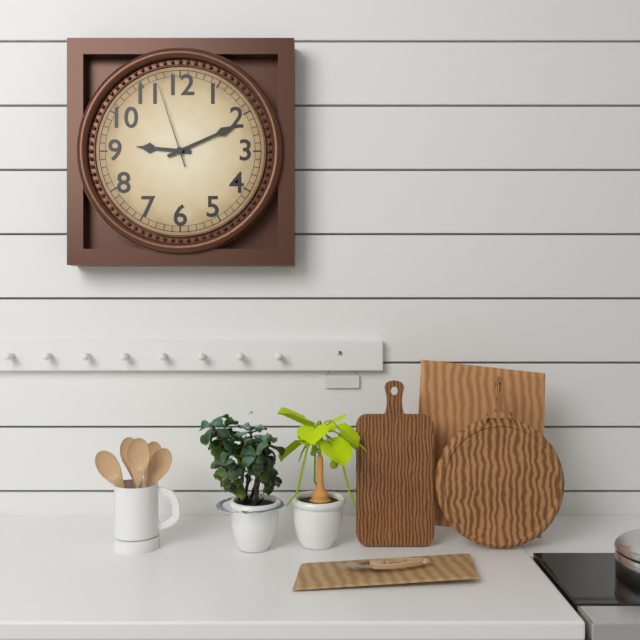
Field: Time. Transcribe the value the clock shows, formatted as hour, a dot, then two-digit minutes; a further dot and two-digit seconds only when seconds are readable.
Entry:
9.11.57
